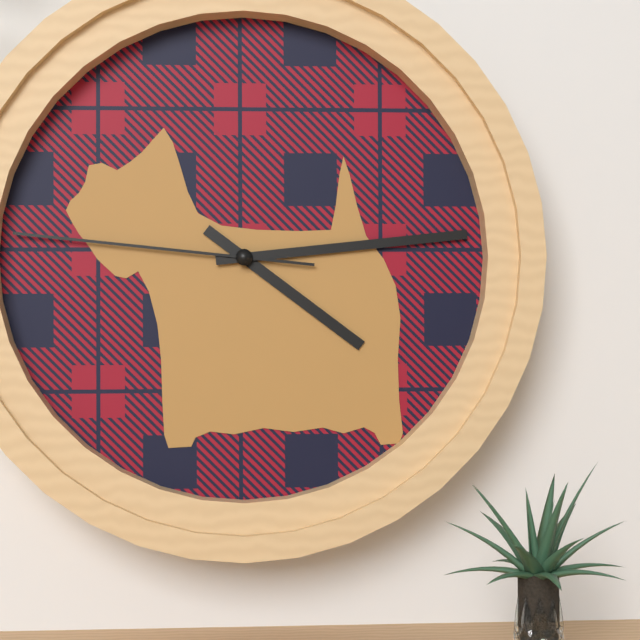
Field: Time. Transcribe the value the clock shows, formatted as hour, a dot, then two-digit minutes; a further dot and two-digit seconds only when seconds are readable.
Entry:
4.14.46
